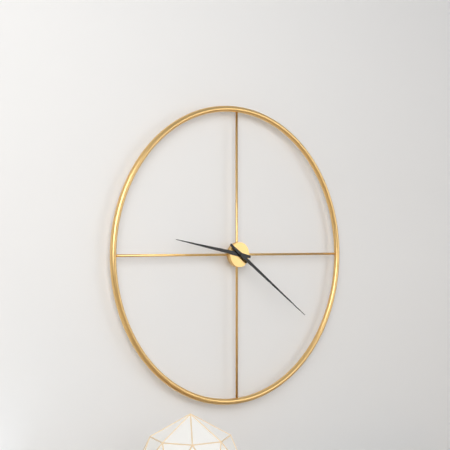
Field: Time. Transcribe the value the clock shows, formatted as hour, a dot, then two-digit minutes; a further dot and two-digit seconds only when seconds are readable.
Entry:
9.21
